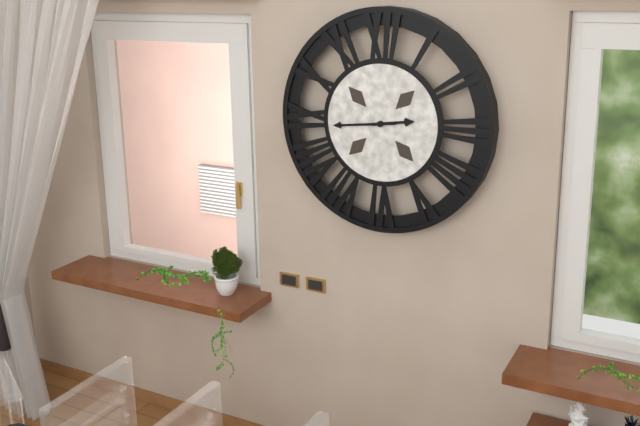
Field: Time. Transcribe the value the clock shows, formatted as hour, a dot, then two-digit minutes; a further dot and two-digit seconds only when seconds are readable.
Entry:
2.44
